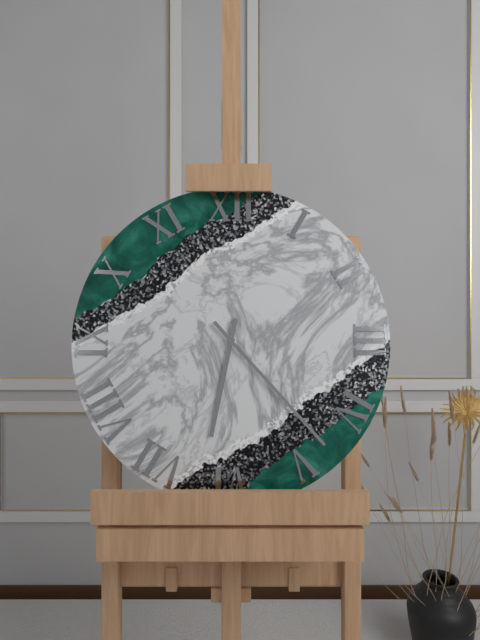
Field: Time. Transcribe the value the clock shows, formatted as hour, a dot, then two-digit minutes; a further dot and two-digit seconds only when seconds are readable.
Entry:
6.23
